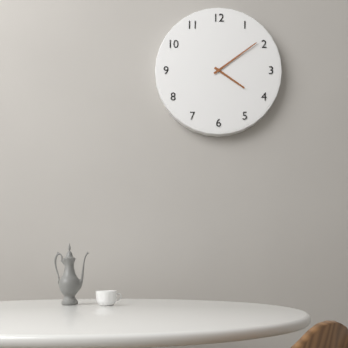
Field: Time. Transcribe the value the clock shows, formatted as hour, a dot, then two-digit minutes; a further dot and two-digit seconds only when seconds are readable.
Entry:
4.09
